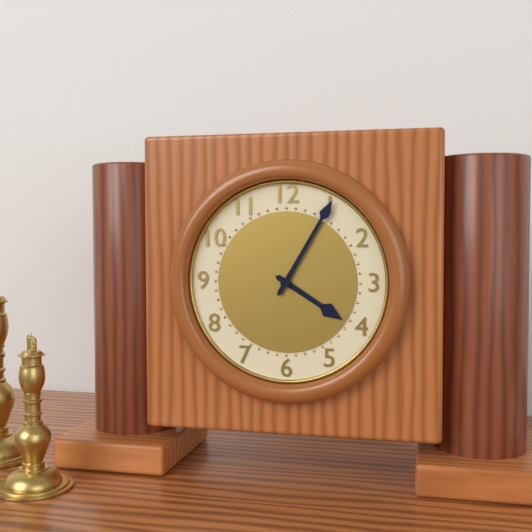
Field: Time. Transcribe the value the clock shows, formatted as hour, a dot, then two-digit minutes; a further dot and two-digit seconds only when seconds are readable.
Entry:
4.05
